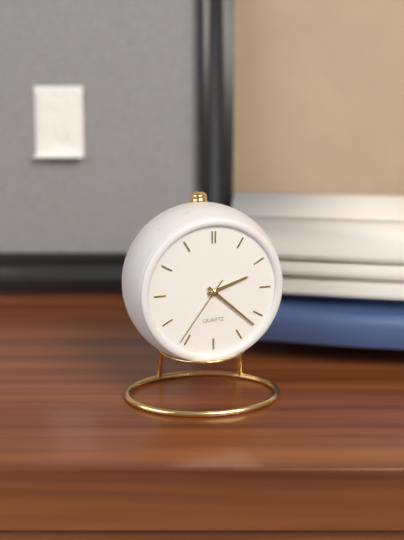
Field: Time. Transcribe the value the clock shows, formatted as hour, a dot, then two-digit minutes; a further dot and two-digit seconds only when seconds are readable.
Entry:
2.22.36
